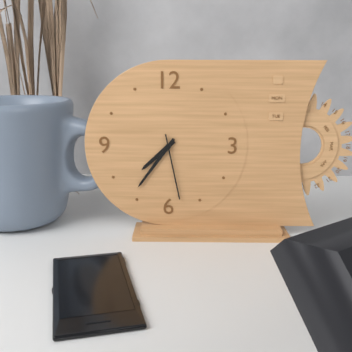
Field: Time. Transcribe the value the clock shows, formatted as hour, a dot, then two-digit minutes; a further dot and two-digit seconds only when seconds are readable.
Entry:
7.36.28
